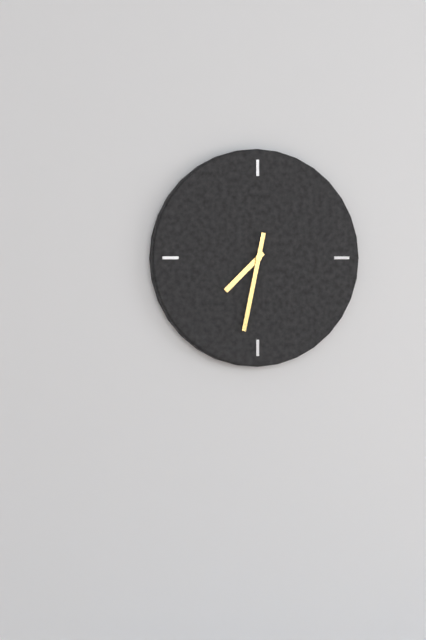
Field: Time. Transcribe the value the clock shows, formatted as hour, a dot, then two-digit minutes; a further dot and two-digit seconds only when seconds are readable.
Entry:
7.32
